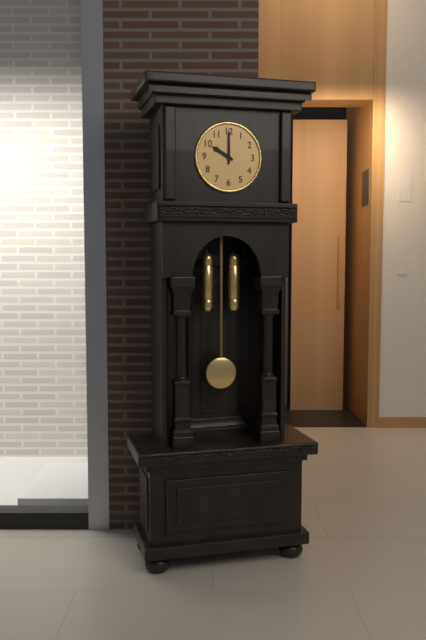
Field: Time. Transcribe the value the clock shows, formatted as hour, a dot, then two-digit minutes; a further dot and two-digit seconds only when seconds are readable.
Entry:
10.00
